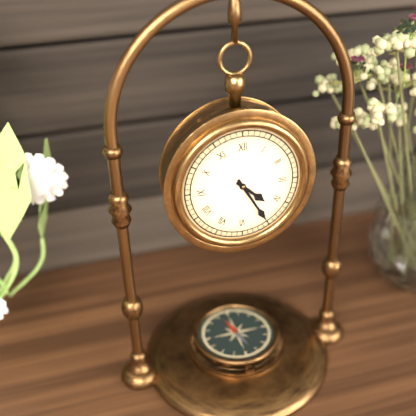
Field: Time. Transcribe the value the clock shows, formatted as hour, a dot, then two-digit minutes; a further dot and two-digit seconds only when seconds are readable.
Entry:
4.25
